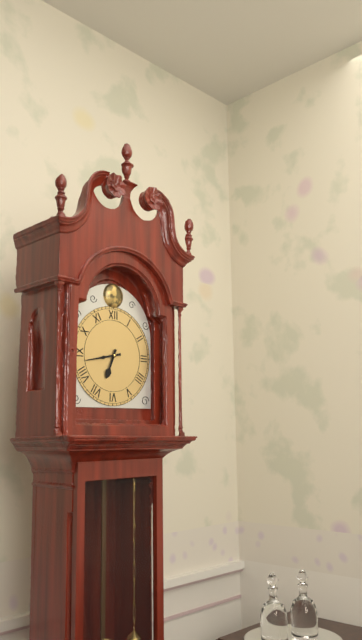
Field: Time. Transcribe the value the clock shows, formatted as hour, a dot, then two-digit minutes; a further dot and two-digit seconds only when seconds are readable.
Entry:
6.43
